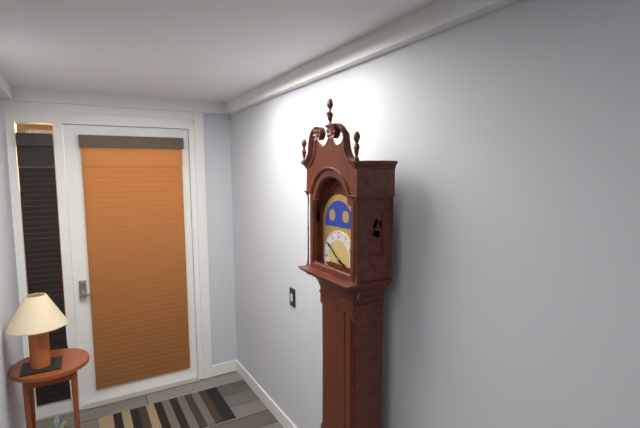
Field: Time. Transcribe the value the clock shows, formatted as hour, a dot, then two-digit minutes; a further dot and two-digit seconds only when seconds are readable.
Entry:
3.51
